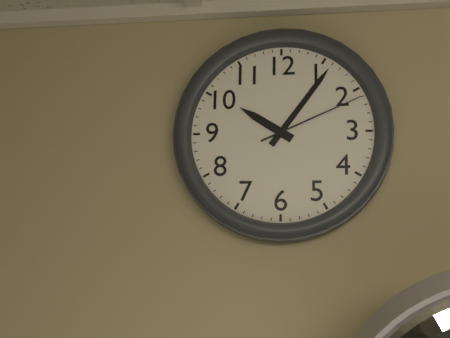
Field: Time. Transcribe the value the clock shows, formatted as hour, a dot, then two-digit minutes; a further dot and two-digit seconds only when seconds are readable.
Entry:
10.06.11
